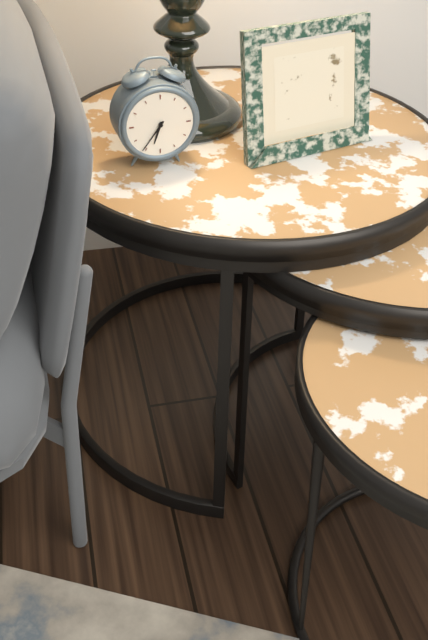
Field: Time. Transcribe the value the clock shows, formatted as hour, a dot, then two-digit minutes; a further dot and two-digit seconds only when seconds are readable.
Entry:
6.36
